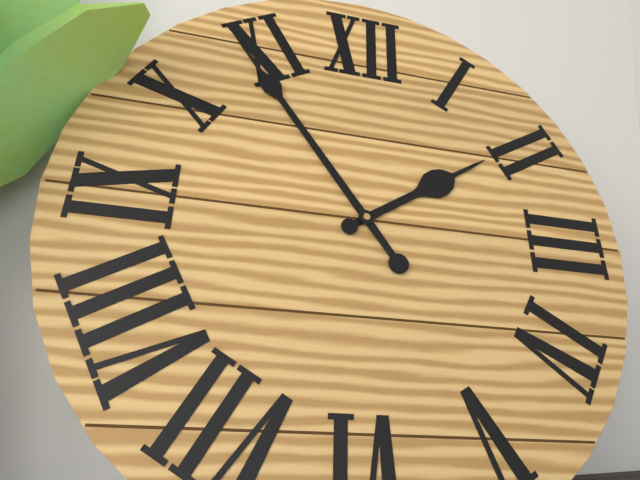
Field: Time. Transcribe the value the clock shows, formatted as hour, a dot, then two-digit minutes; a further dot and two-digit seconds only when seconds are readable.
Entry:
1.54
